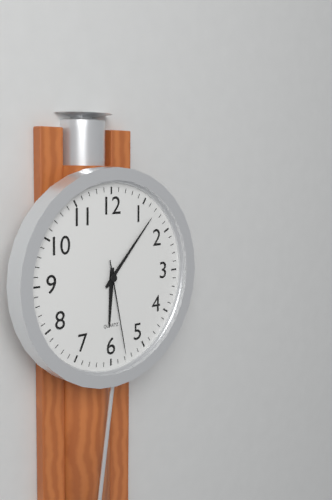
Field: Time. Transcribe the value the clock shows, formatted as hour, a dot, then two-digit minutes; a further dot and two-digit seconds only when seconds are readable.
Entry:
6.07.28
